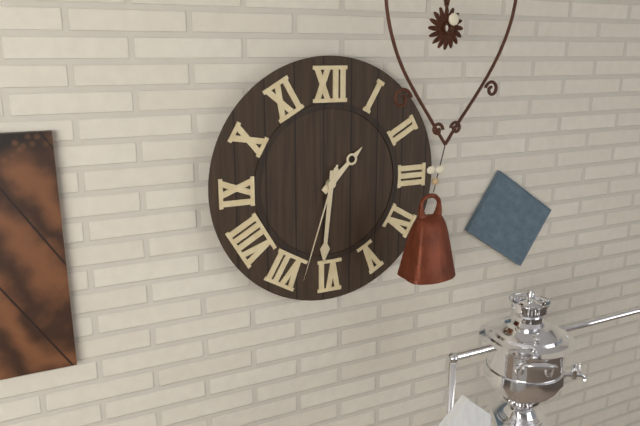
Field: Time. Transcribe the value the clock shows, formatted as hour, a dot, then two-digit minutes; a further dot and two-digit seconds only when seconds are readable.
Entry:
1.31.33
